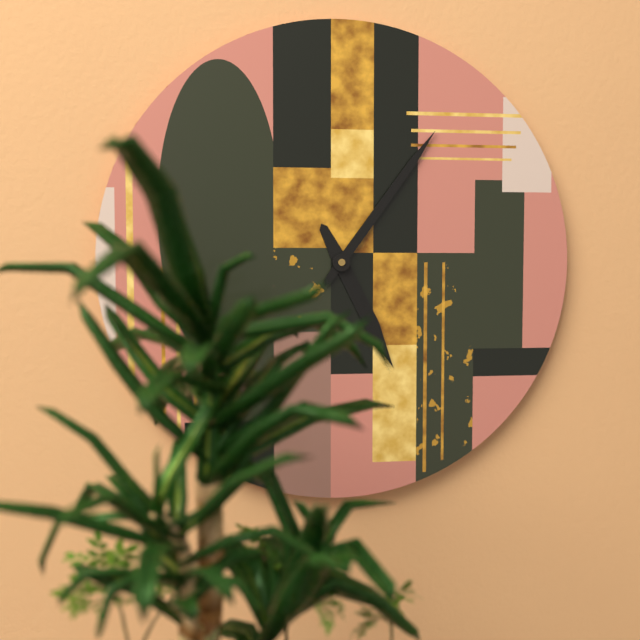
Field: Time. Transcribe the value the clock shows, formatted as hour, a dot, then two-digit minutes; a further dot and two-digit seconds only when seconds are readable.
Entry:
5.06
